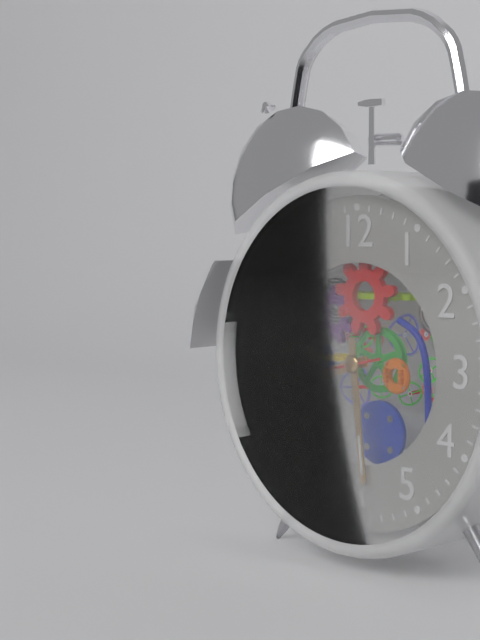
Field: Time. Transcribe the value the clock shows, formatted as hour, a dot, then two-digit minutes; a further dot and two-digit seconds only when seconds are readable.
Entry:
8.29.43
